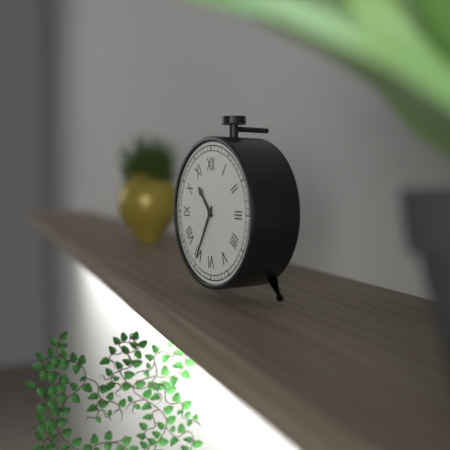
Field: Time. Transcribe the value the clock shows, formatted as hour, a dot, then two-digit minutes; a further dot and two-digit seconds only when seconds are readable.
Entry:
10.35
